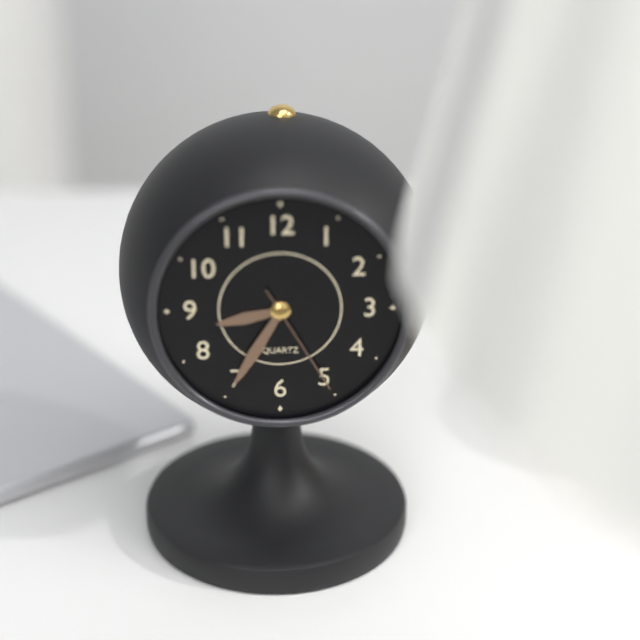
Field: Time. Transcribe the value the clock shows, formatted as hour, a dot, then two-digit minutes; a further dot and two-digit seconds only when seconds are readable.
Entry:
8.35.25
